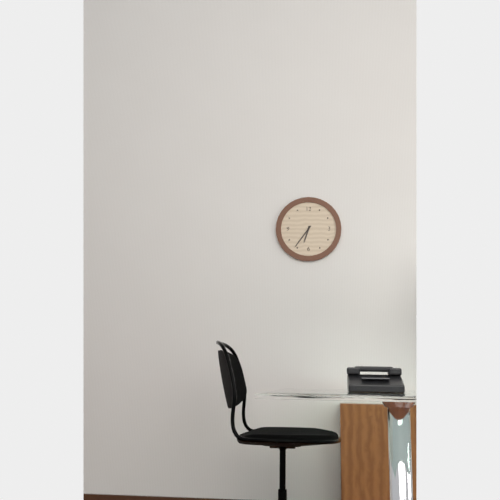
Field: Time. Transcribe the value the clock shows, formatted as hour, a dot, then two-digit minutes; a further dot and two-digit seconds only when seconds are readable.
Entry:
6.36
